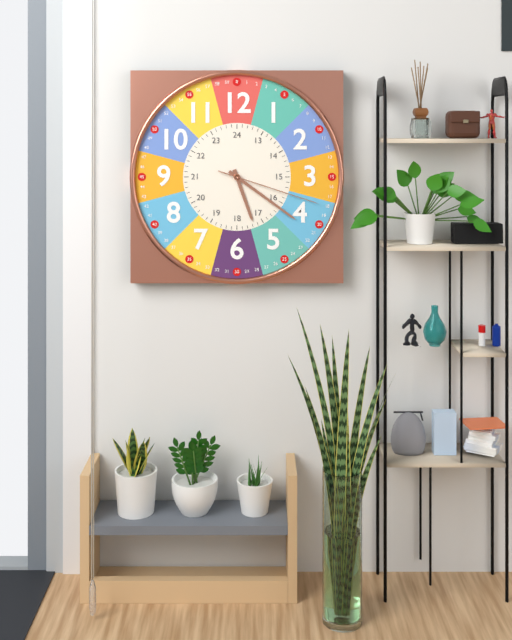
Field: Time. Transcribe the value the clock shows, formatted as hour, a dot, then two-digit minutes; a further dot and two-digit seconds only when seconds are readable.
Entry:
5.21.18
